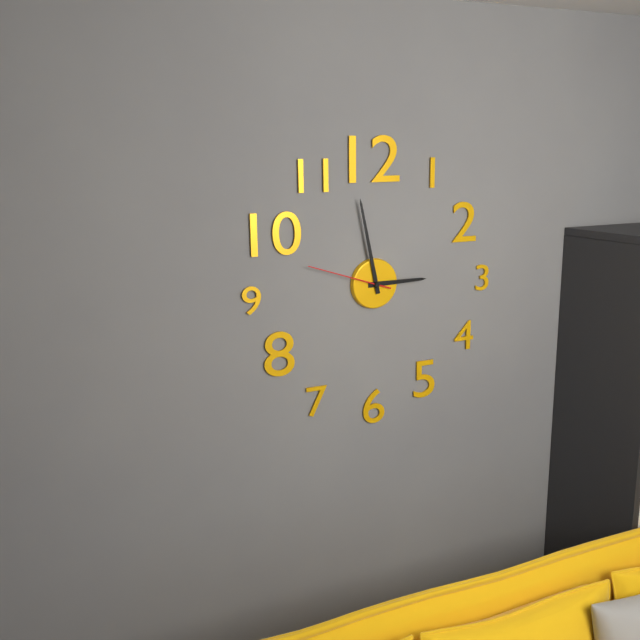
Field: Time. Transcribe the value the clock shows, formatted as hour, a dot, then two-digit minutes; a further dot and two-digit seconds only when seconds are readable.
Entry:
2.58.48
